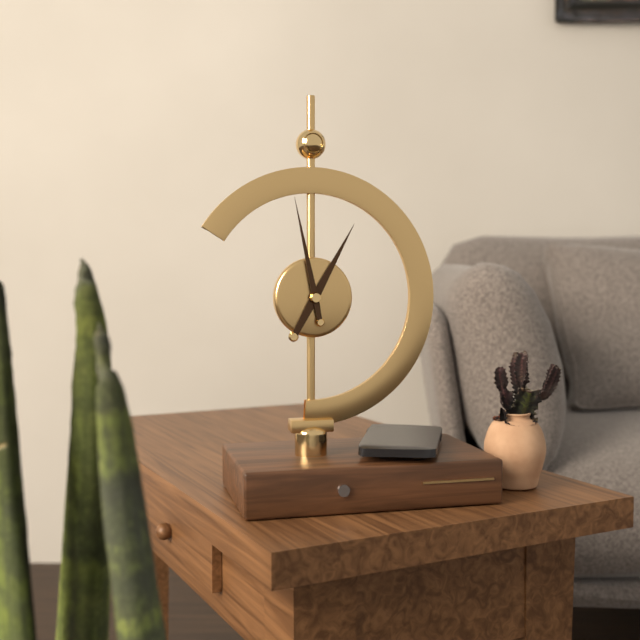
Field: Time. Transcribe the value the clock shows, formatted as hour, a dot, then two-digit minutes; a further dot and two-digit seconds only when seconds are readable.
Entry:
12.58
